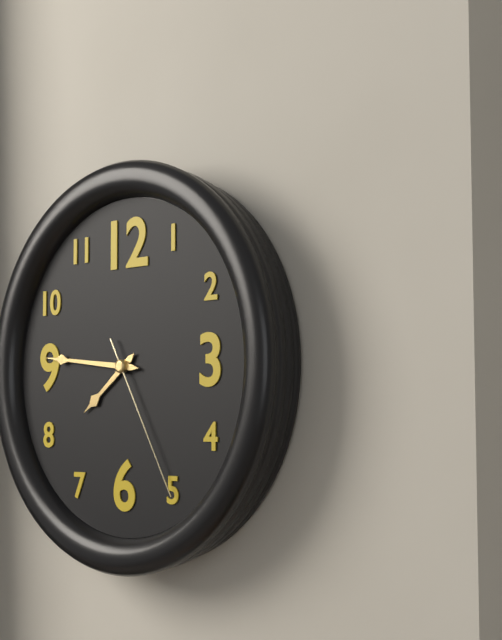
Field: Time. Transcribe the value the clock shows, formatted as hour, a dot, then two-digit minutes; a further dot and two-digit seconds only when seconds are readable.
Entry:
7.46.25
